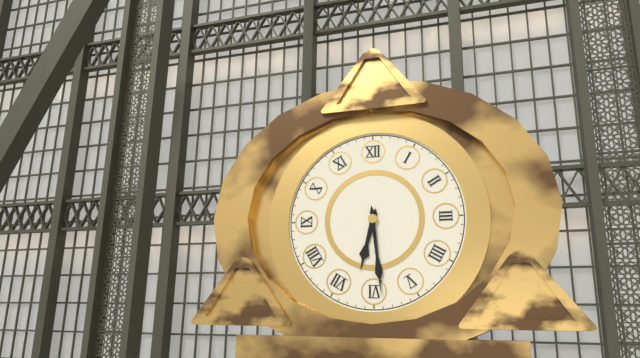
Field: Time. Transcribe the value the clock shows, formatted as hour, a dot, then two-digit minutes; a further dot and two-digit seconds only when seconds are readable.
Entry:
6.29
